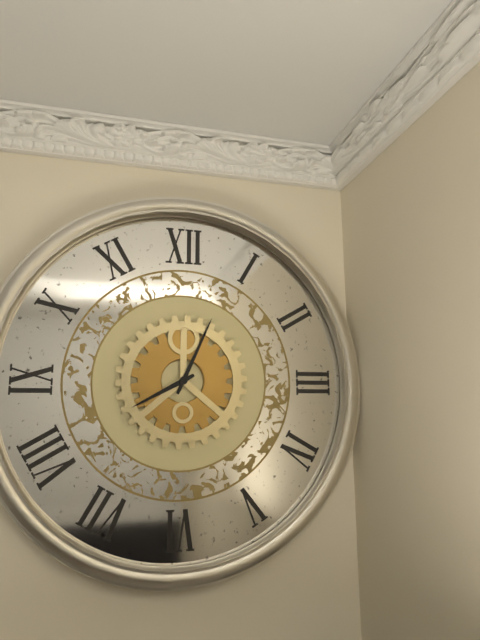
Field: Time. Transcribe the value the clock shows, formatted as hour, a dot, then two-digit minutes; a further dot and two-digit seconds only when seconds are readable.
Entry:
8.04
